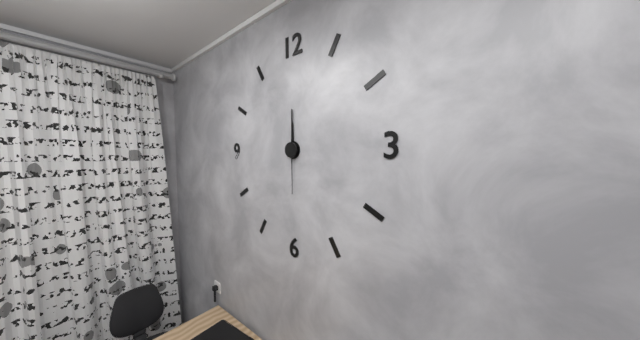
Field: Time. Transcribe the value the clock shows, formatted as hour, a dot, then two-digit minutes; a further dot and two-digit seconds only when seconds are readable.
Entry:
12.00.30
